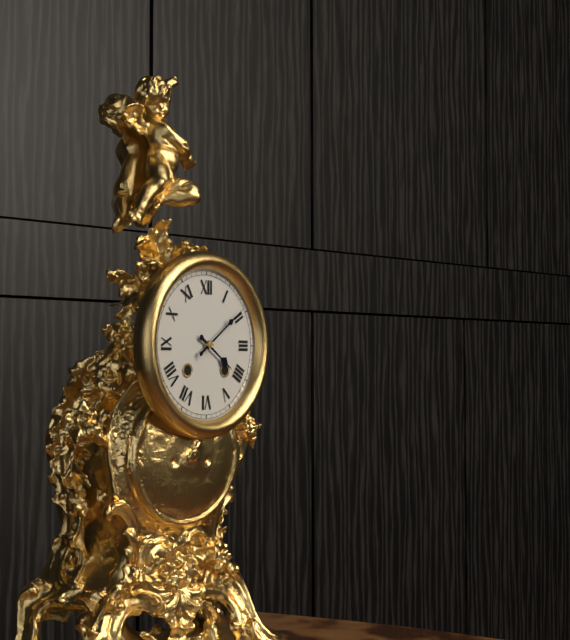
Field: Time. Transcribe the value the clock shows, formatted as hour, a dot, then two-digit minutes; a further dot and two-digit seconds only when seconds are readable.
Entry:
4.09
